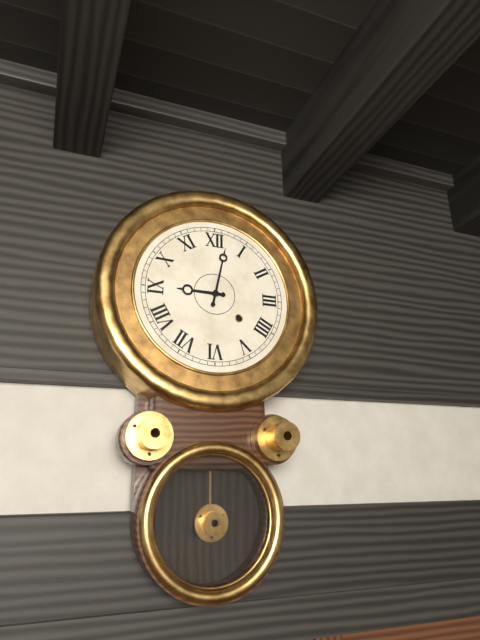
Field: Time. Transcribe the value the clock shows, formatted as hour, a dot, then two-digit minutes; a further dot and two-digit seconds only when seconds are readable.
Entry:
9.02
